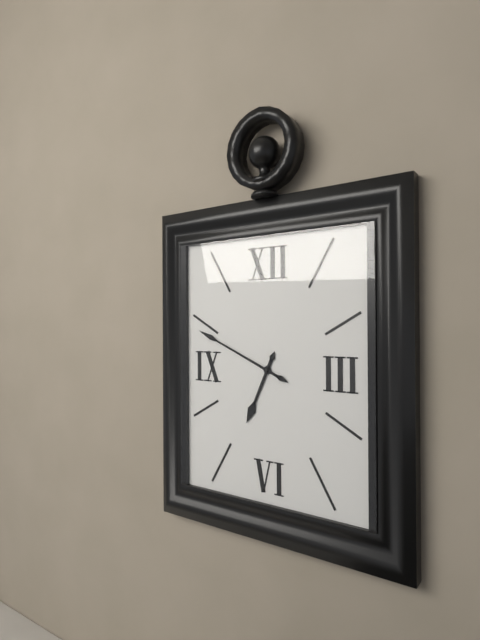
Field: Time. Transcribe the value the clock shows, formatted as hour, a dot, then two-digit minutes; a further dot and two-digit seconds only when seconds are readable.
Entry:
6.49
